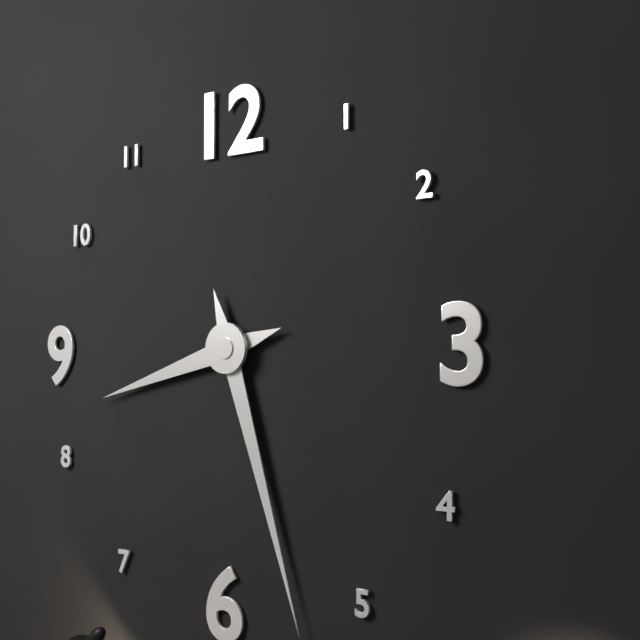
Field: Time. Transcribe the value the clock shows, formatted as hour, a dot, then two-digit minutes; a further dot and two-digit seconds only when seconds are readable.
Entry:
8.27
